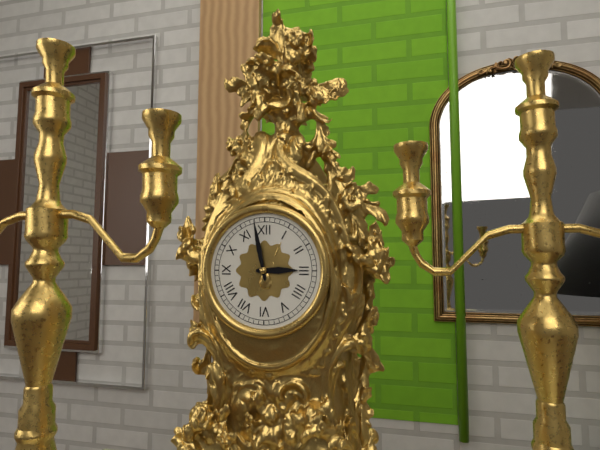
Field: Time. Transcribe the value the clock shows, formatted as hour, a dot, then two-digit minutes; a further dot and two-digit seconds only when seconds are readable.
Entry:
2.58
